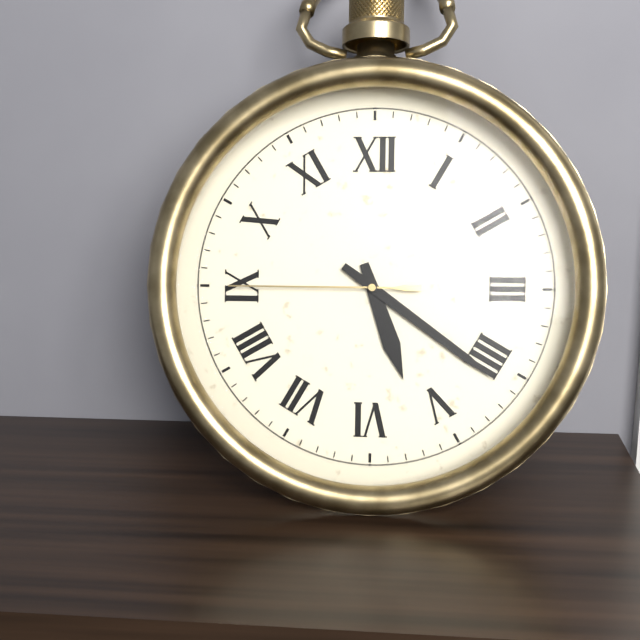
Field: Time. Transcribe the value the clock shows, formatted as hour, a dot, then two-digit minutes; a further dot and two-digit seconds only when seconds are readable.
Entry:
5.21.45
